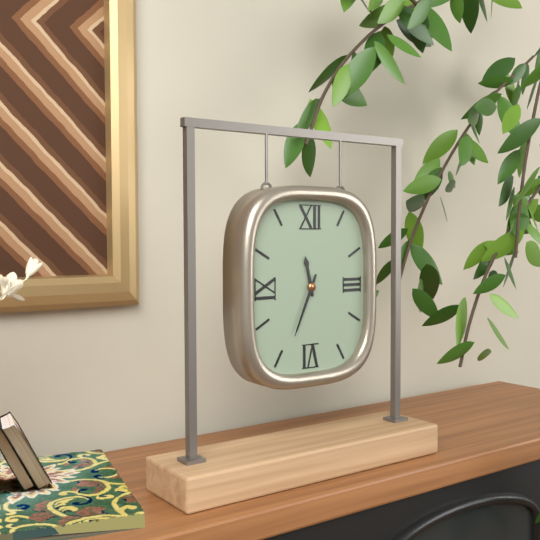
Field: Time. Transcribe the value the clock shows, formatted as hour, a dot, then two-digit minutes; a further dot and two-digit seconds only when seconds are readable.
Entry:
11.34
